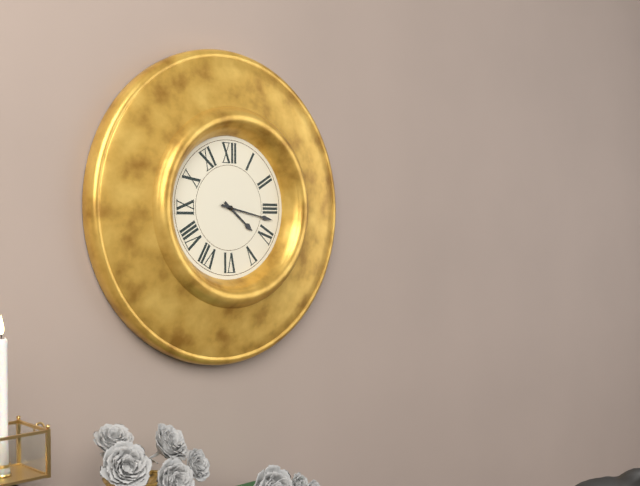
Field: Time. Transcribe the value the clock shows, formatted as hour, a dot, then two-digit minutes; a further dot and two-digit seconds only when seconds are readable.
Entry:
4.17
